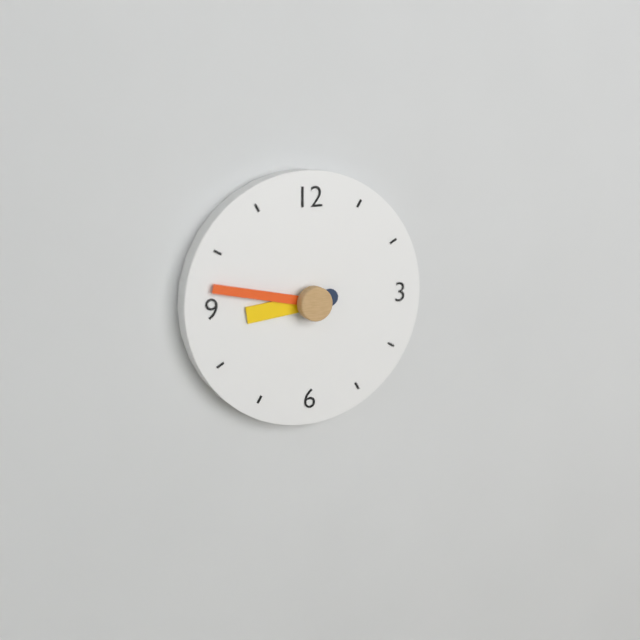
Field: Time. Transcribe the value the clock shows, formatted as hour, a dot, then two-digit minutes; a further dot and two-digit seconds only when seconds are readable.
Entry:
8.47
